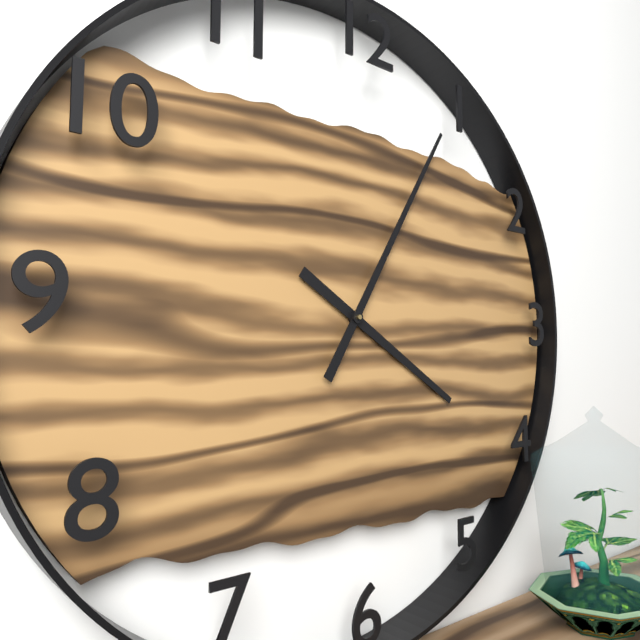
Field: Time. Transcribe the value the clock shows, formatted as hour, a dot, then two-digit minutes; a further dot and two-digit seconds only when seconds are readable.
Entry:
4.05
